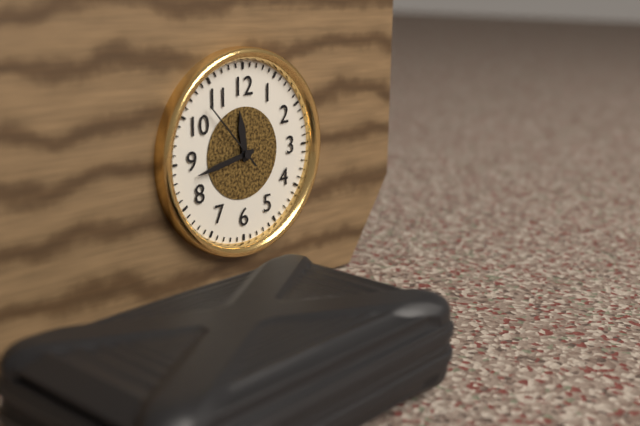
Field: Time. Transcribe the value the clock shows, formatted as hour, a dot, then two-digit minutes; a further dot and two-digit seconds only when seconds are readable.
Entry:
11.43.53
